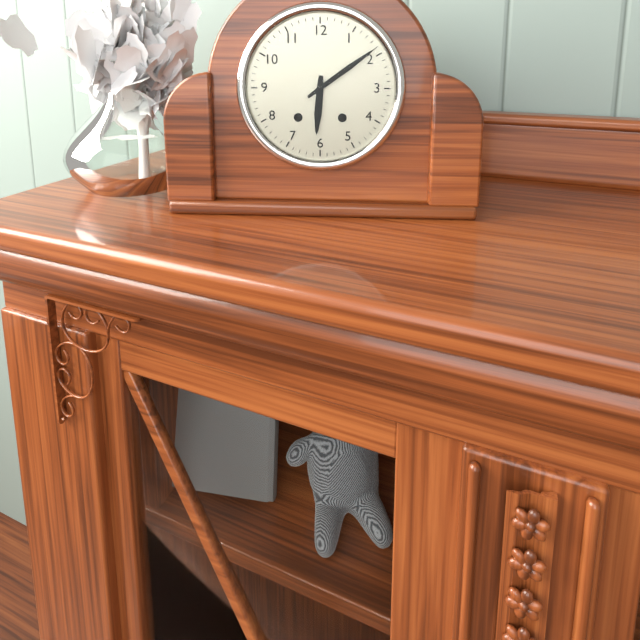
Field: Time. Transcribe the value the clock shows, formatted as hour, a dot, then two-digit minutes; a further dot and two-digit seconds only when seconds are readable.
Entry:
6.09
